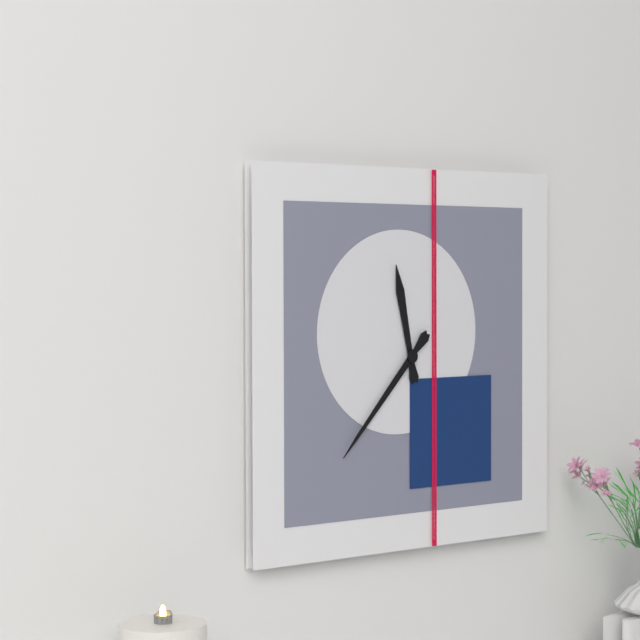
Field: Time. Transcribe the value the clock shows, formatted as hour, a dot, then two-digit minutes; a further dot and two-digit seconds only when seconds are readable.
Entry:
11.37
